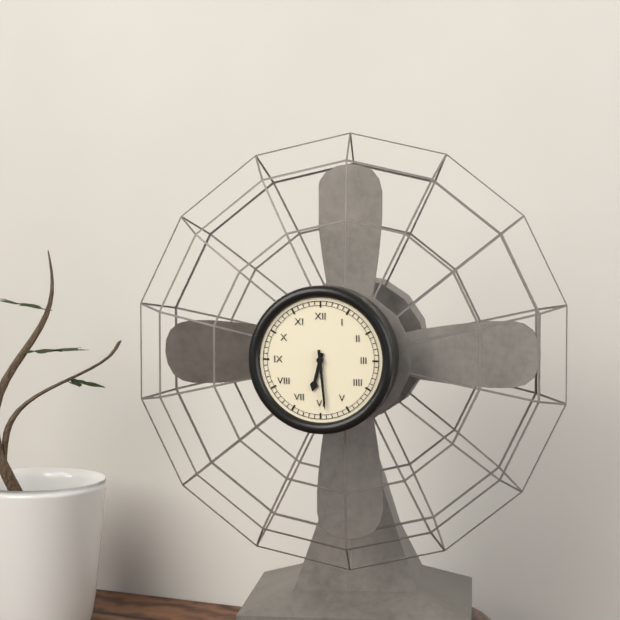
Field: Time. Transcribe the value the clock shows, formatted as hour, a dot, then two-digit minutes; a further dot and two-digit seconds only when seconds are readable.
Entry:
6.29
